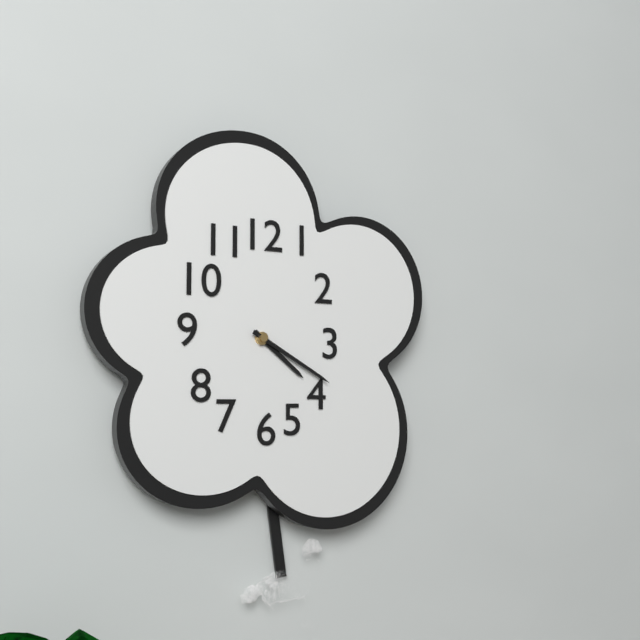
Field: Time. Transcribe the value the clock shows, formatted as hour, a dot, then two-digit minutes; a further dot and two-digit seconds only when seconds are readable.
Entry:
4.20
